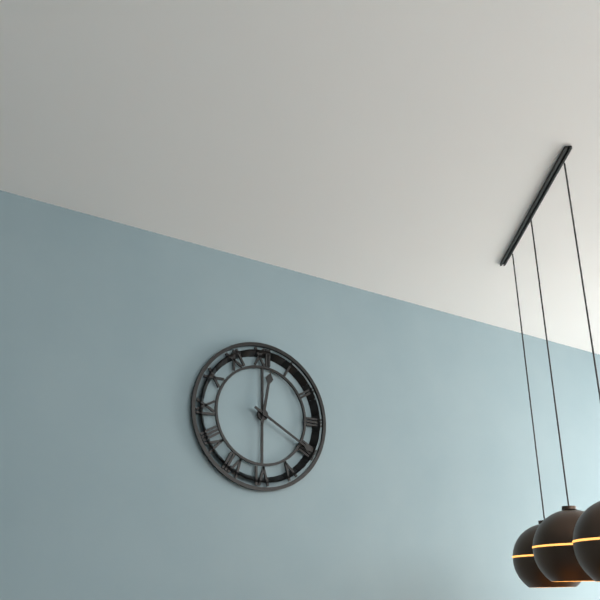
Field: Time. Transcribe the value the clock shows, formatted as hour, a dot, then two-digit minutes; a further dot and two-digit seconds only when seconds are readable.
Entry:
12.20
